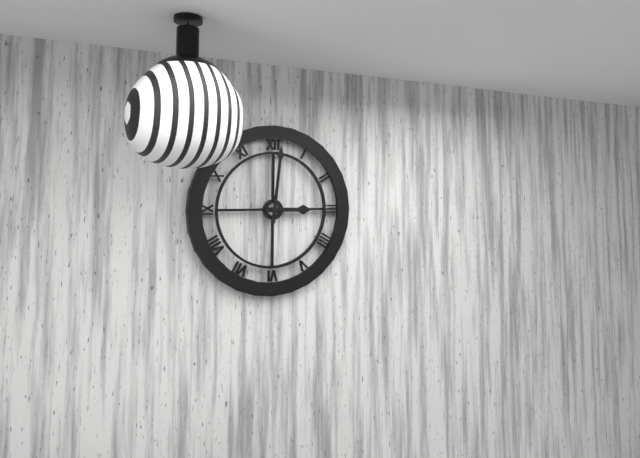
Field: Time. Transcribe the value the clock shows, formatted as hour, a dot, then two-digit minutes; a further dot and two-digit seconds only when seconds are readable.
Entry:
3.01
